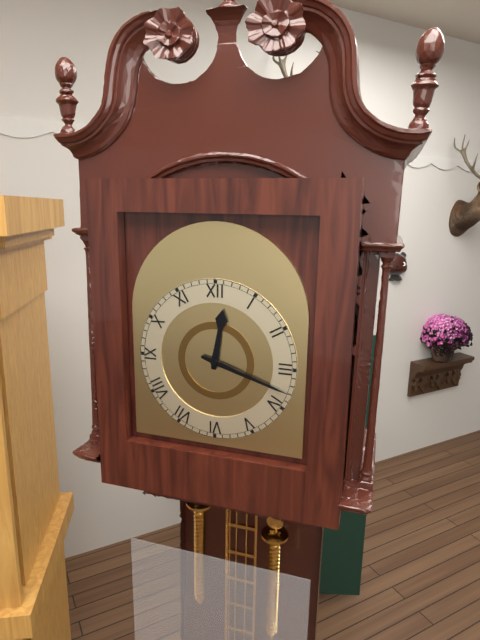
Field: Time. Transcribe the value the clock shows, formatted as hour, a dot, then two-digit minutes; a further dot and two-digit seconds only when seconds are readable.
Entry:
12.18
